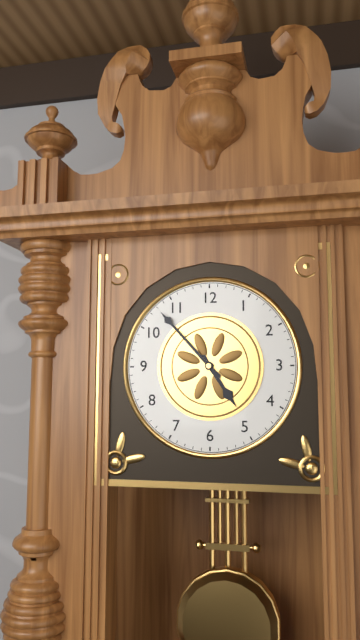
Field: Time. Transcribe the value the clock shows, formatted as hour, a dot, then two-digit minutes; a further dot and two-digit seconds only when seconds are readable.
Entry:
4.53
